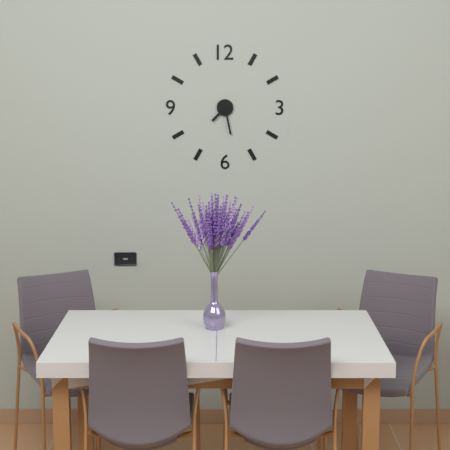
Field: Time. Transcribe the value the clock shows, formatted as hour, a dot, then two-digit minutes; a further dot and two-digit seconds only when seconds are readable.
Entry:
7.28
